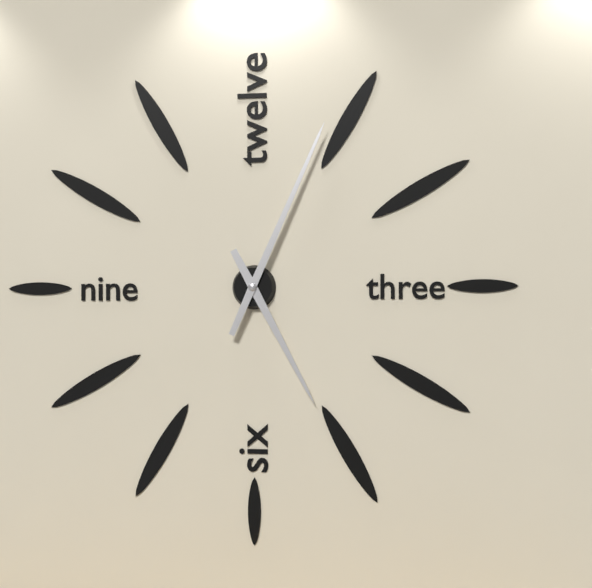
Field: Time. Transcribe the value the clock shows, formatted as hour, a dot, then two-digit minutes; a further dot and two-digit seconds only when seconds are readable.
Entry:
5.04
